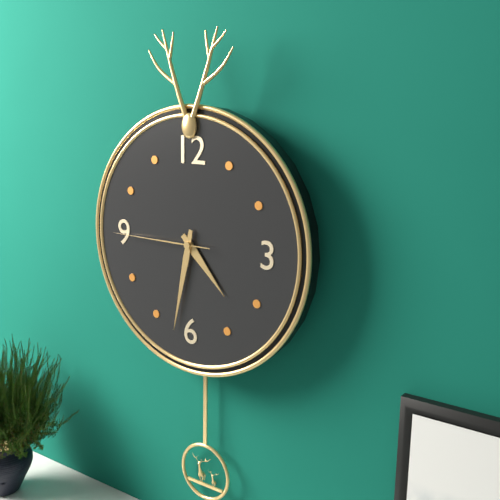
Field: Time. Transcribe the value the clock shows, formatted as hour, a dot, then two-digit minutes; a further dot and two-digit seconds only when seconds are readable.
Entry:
4.32.45
